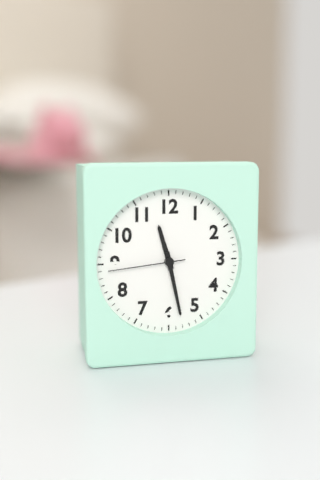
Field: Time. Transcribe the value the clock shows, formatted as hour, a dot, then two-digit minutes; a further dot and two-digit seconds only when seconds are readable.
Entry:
11.28.44
